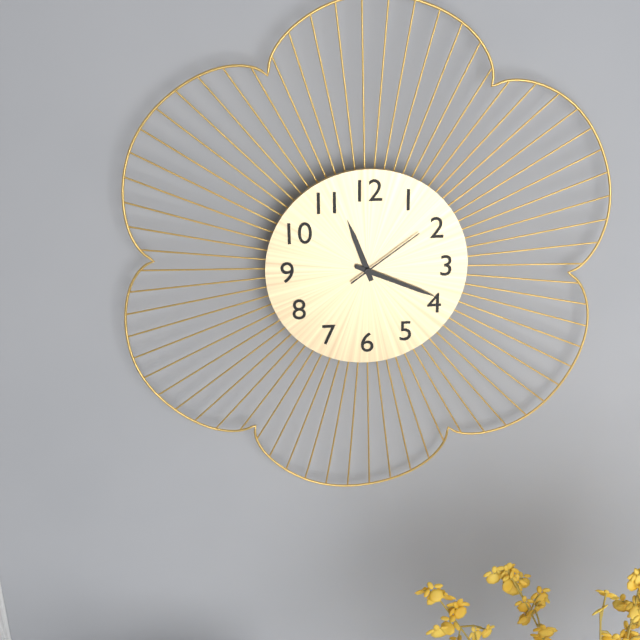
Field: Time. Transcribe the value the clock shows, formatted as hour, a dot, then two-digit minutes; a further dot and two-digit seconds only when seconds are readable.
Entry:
11.19.09
